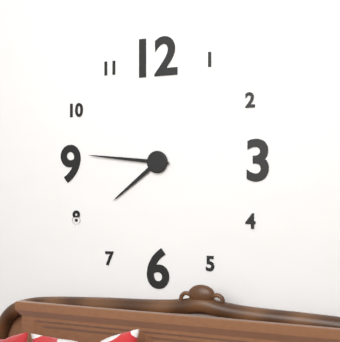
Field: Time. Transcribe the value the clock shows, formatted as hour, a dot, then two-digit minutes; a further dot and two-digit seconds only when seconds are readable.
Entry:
7.46
